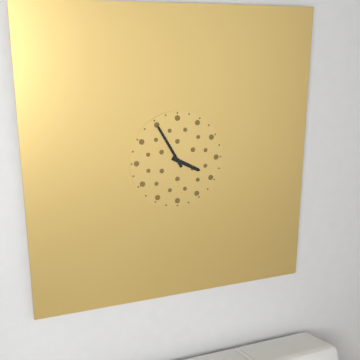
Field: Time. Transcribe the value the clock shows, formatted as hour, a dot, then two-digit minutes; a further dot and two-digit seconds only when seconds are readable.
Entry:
3.55
